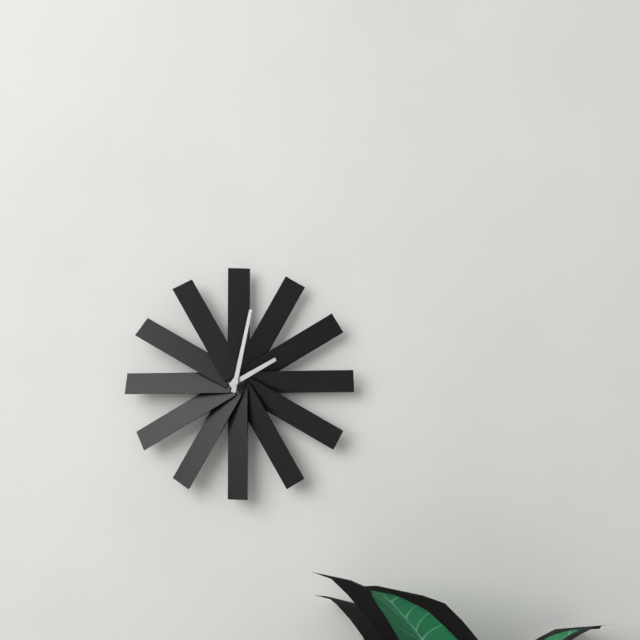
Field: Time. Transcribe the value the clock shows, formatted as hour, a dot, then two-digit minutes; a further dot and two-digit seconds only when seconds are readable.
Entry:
2.02
